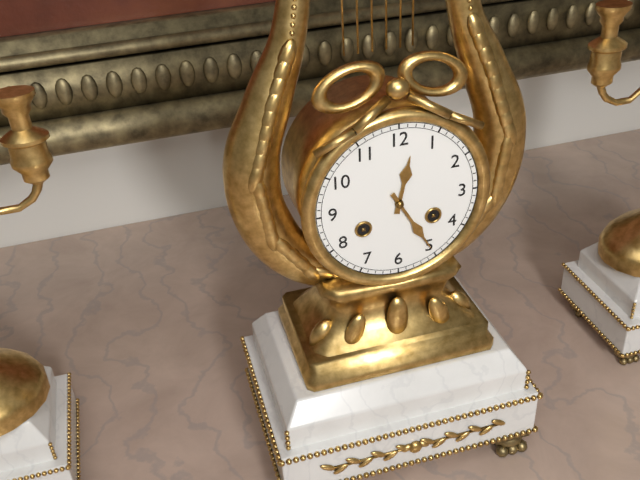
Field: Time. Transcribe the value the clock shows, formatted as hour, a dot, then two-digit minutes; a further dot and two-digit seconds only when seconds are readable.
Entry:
12.25
